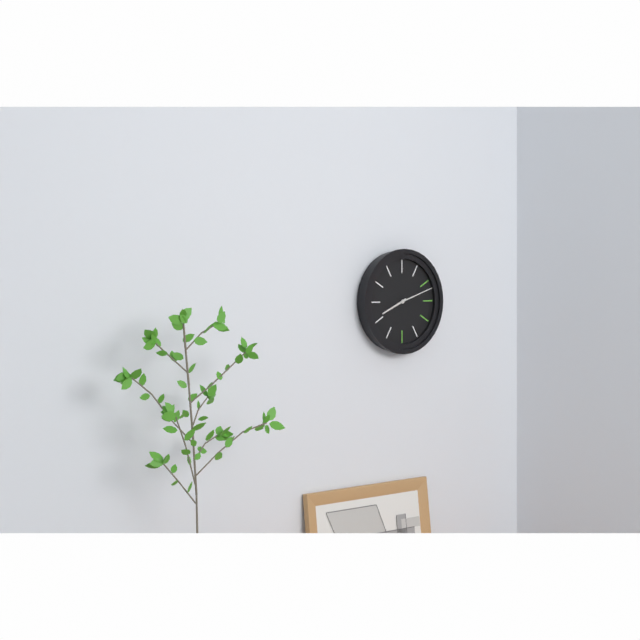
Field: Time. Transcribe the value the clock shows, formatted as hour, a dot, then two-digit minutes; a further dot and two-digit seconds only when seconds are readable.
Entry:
8.12
